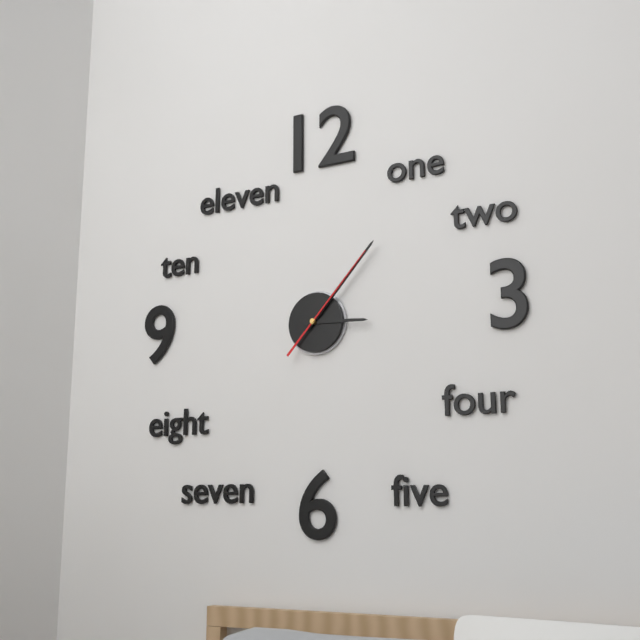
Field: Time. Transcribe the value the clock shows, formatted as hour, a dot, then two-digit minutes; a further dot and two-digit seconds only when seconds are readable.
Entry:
3.07.07
